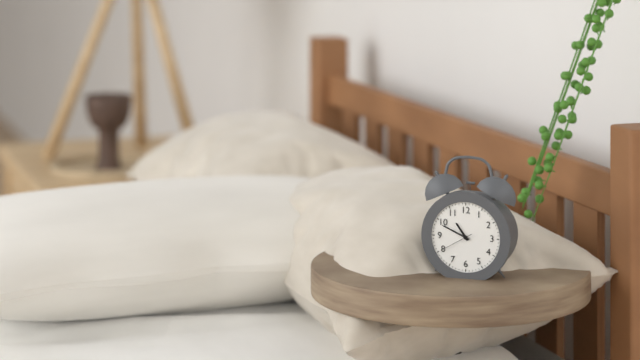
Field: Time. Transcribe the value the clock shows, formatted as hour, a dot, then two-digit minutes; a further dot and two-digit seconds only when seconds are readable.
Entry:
10.49
